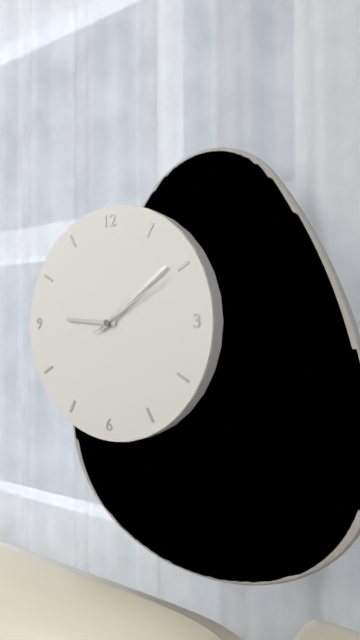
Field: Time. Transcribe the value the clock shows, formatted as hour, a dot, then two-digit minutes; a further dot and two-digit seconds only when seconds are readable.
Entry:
9.09.10
